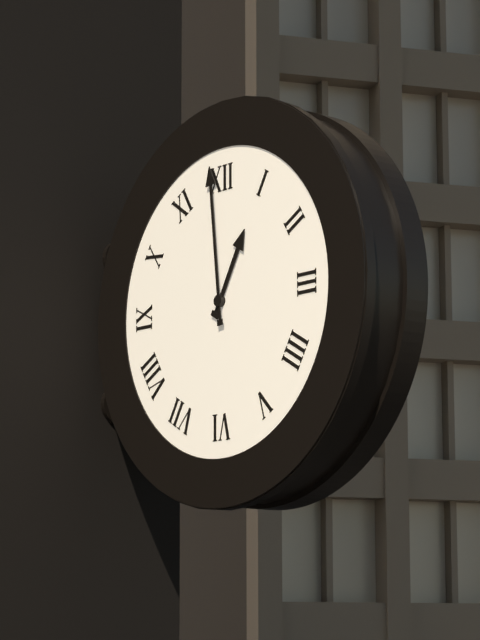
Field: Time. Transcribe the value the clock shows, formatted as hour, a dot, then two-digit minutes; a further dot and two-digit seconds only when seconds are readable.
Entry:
12.59
